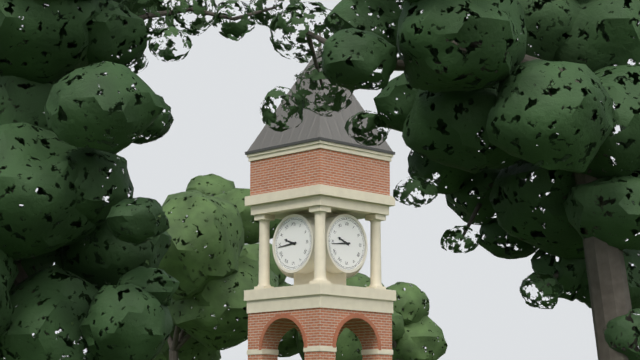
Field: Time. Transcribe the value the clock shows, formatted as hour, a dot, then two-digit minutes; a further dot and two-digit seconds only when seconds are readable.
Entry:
9.44
